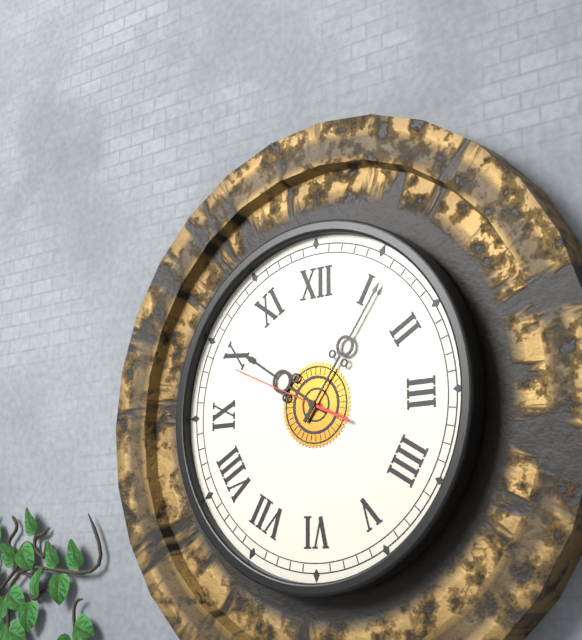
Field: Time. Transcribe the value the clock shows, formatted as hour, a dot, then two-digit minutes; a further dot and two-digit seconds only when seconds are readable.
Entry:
10.06.49
